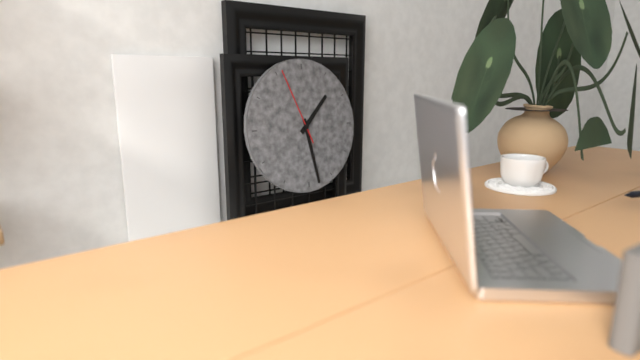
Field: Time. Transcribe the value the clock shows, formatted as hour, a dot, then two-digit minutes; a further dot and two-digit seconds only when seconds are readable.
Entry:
1.28.56
